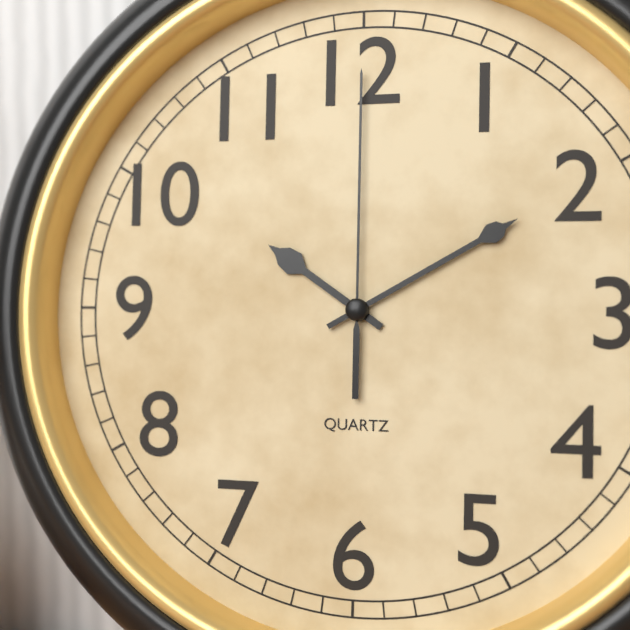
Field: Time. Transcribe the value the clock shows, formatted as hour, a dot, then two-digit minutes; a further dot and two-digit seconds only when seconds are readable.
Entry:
10.10.00
